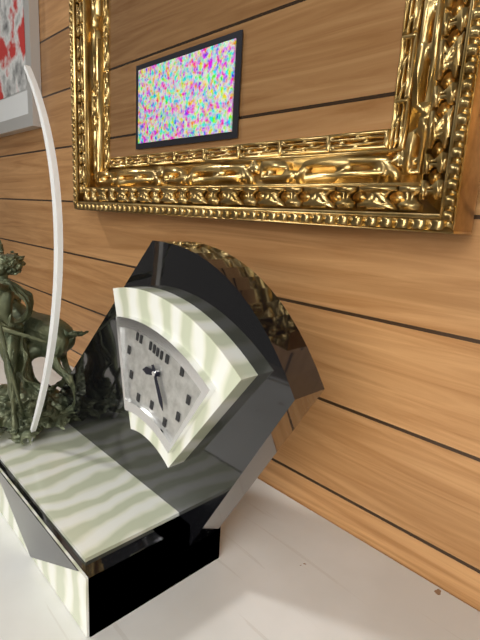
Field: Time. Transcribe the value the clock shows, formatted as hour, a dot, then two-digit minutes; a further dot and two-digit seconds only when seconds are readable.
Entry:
8.24
